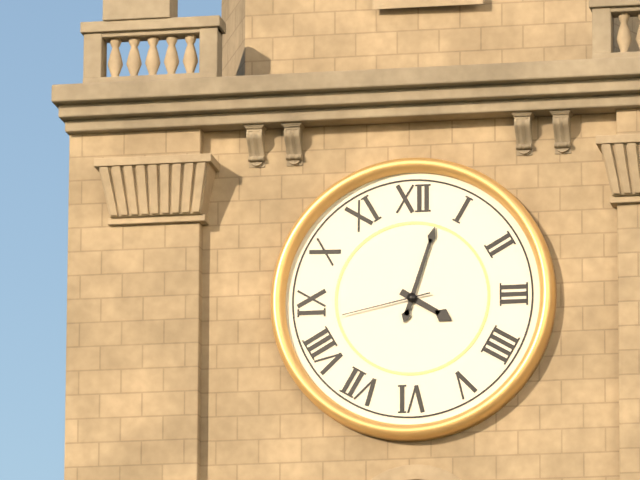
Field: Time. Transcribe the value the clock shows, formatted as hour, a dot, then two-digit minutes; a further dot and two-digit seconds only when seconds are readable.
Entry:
4.03.43
